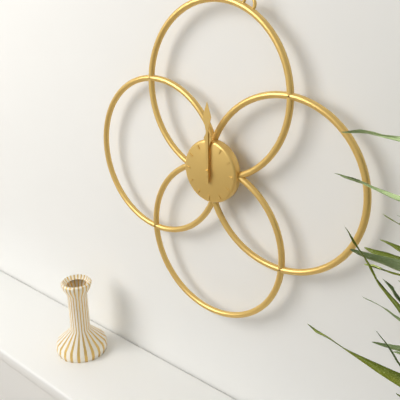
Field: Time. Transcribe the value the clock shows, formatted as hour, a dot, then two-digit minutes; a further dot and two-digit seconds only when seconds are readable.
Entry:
12.00
